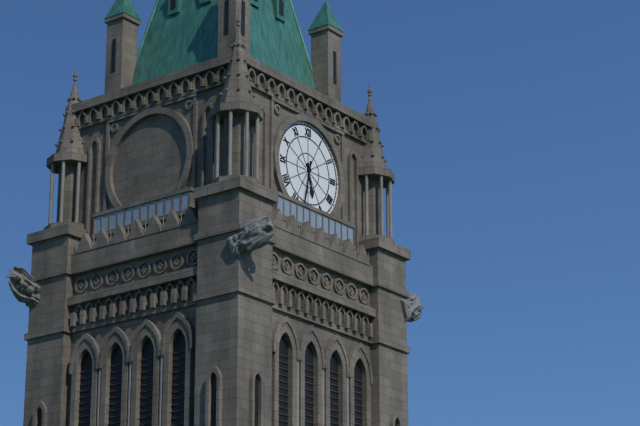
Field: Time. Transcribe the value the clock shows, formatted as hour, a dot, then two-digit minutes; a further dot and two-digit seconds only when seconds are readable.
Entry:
5.32
